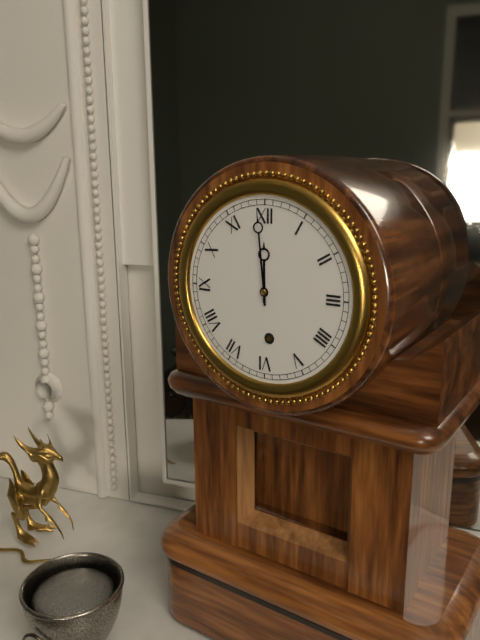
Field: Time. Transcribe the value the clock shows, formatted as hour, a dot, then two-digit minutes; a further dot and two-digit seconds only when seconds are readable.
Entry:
11.59
